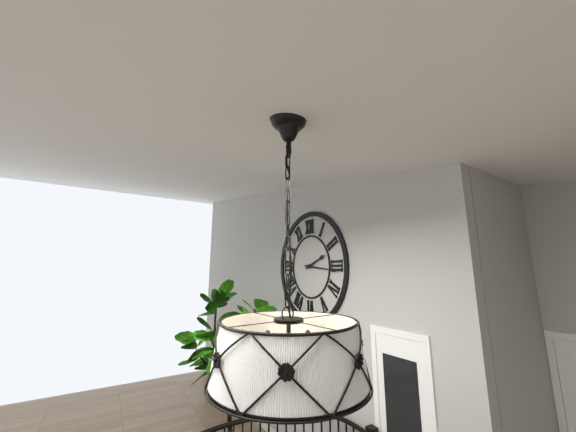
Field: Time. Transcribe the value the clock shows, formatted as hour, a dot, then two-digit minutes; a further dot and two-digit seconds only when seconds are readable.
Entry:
2.16
